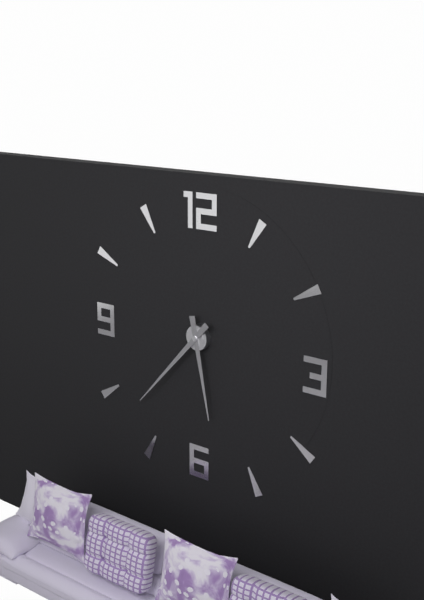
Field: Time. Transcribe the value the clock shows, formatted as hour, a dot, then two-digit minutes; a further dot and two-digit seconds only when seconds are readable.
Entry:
5.37
